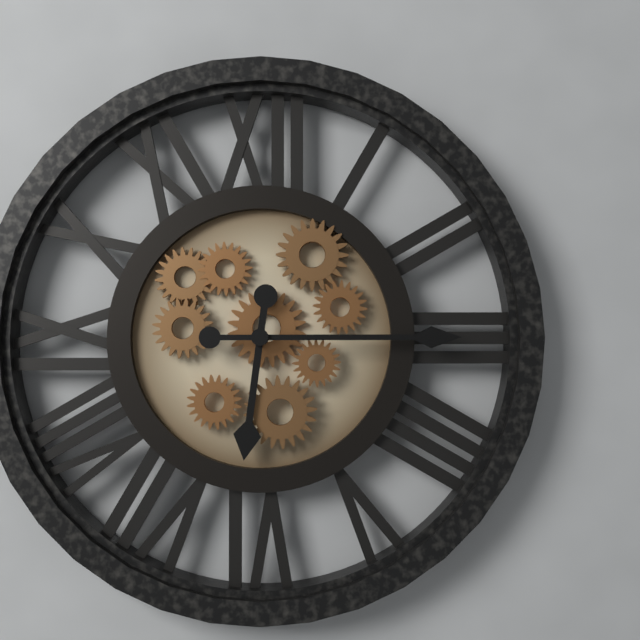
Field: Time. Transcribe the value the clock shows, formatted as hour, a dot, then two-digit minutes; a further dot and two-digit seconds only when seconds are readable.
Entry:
6.15
